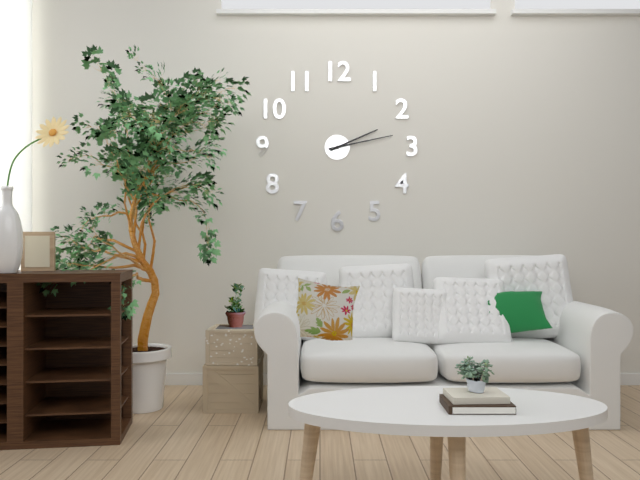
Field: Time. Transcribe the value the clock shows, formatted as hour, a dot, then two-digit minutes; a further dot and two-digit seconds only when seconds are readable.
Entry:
2.13
